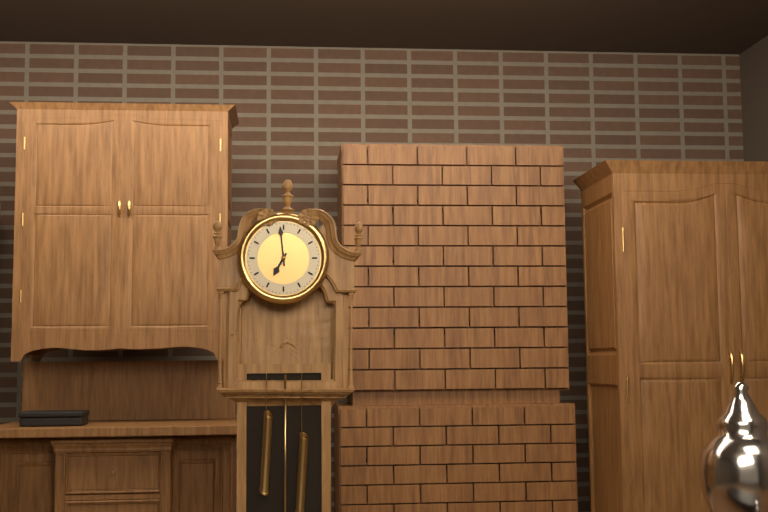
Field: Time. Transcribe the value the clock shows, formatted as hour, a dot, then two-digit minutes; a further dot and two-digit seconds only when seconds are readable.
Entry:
6.59
